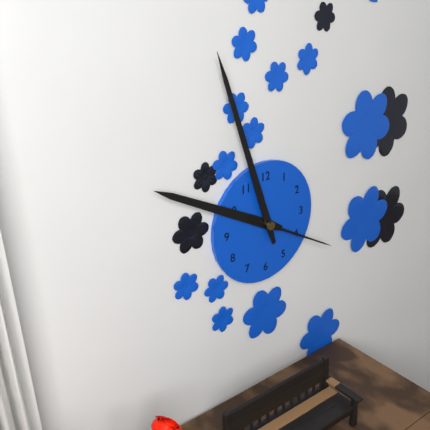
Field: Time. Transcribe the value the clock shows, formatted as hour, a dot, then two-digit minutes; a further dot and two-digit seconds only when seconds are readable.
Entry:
9.57.20
